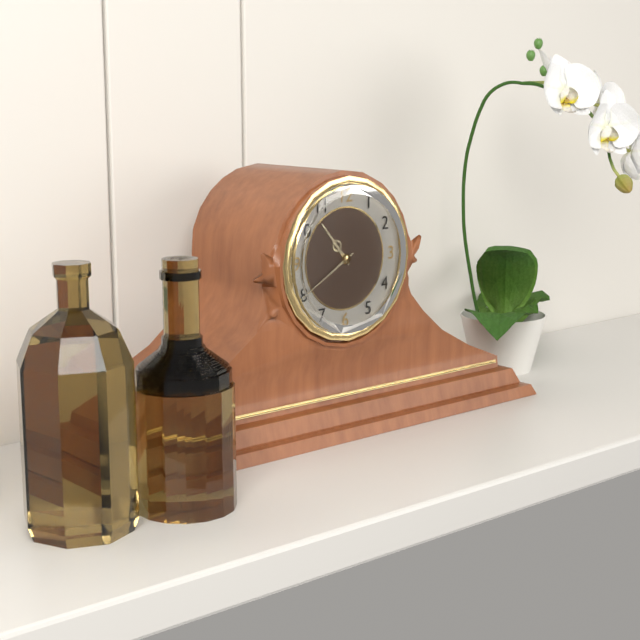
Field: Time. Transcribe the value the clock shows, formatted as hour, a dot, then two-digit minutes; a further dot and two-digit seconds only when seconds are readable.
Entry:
10.40
